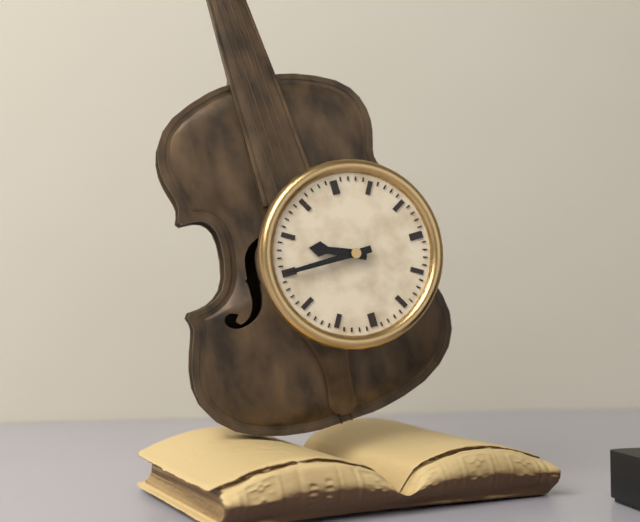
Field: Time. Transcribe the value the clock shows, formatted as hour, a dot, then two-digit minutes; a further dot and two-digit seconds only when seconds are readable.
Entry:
9.45
